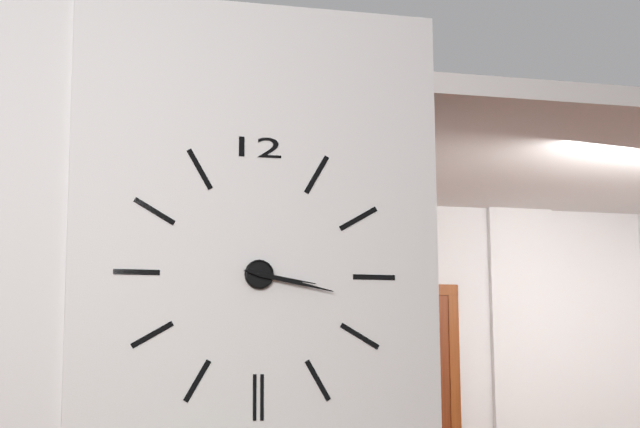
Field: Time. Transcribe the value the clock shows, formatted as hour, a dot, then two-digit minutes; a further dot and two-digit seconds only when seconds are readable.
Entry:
3.17
